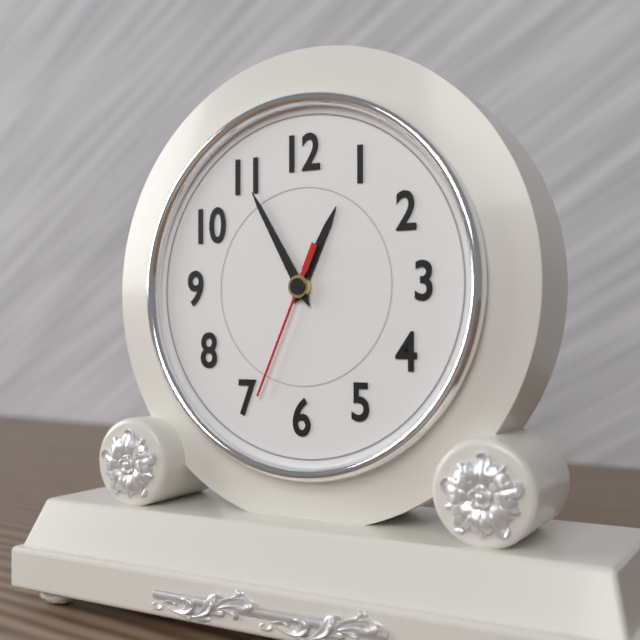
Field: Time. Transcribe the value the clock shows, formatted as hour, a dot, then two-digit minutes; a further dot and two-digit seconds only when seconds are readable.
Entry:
12.55.34
